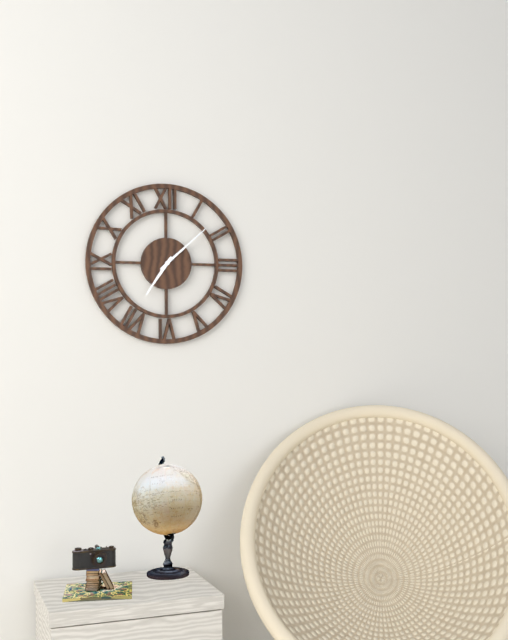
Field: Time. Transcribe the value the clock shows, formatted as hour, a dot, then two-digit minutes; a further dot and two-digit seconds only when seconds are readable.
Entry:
7.08
